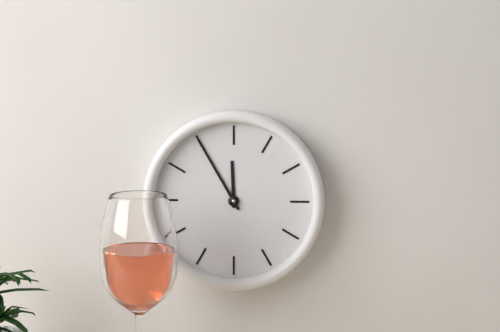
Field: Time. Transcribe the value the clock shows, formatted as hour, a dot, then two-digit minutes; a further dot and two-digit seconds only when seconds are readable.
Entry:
11.55
